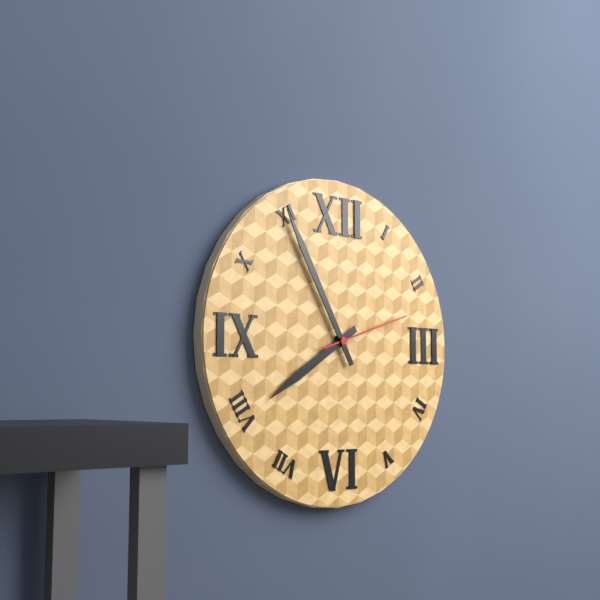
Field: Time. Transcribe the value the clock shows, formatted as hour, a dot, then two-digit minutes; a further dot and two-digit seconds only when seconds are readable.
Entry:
7.55.12
